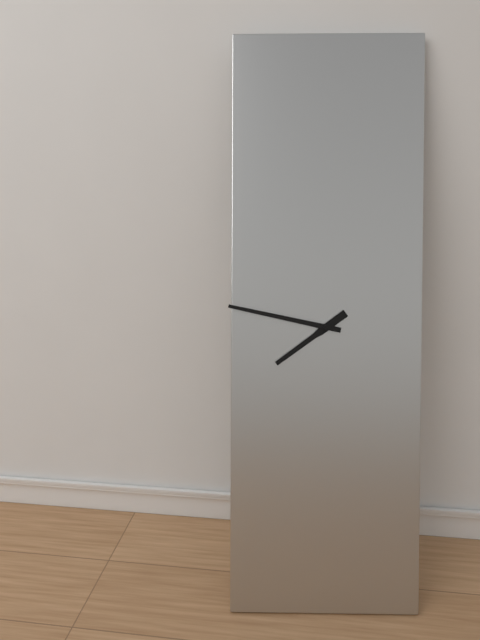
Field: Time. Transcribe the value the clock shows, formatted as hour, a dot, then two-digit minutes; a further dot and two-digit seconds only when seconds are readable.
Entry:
7.47
